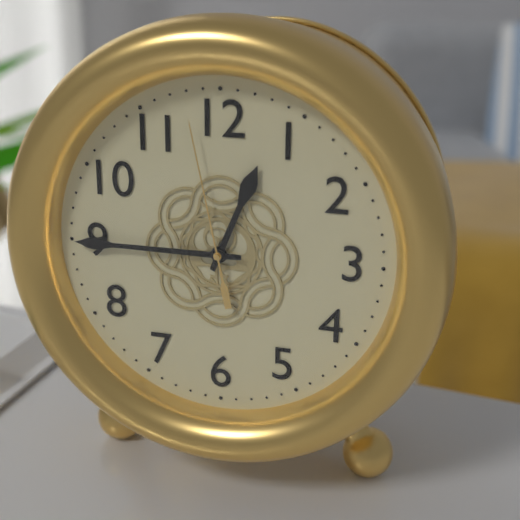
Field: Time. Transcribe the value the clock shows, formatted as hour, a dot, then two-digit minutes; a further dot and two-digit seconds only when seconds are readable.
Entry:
12.45.58
